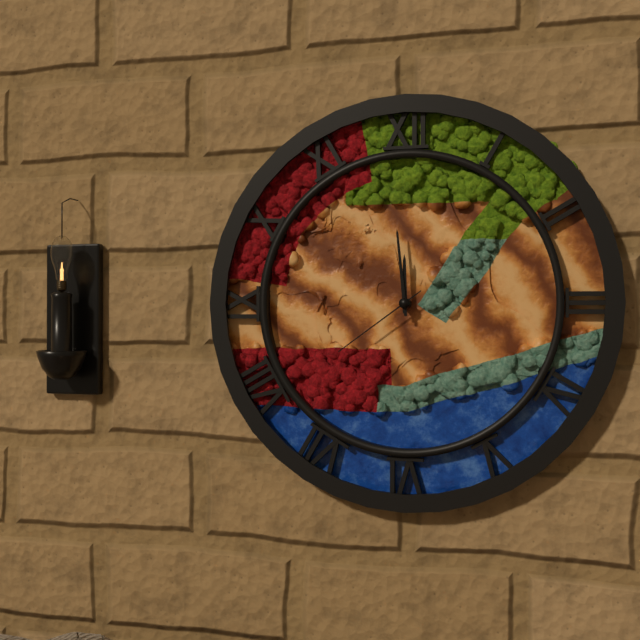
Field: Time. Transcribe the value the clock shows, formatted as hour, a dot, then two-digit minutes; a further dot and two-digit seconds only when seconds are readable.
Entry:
11.59.39
